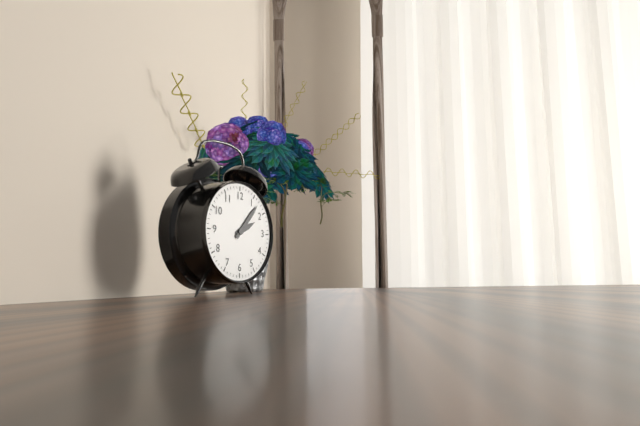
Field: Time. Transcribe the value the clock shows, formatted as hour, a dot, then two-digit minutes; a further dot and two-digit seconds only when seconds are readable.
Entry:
2.07
